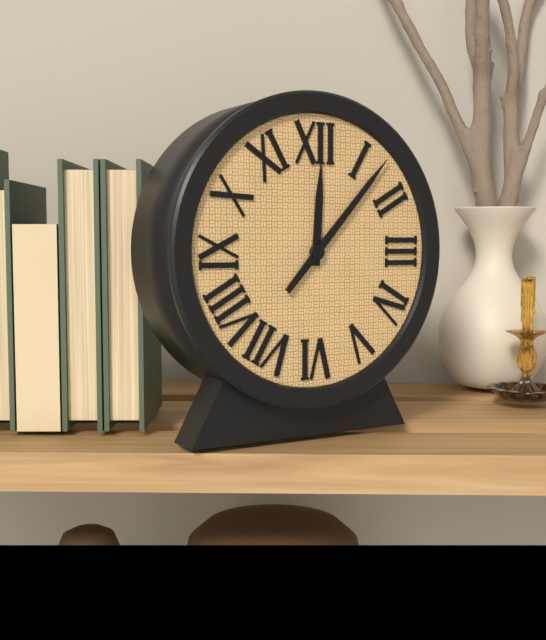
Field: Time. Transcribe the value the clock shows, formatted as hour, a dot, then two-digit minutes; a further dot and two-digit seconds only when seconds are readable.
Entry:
12.07
